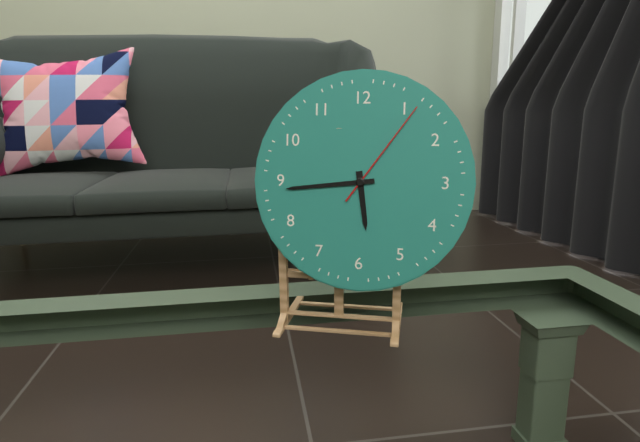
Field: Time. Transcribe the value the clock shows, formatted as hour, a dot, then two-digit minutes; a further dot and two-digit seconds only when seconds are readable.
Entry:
5.44.06
